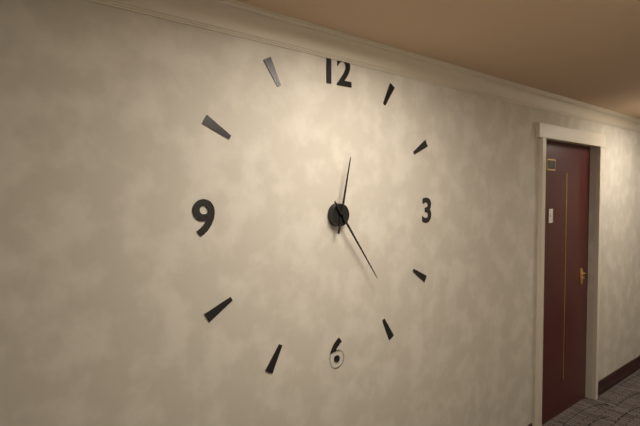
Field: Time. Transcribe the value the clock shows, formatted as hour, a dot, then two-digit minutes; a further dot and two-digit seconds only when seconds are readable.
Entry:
12.24
